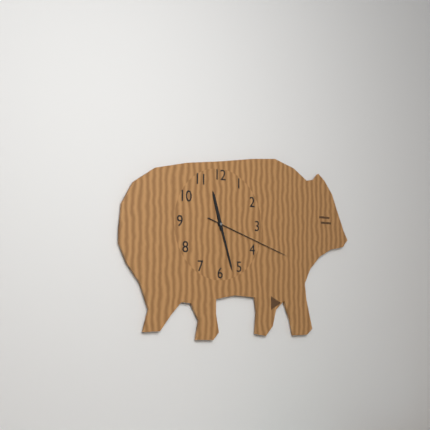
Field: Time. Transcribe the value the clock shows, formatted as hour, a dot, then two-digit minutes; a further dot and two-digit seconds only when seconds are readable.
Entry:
11.27.18
